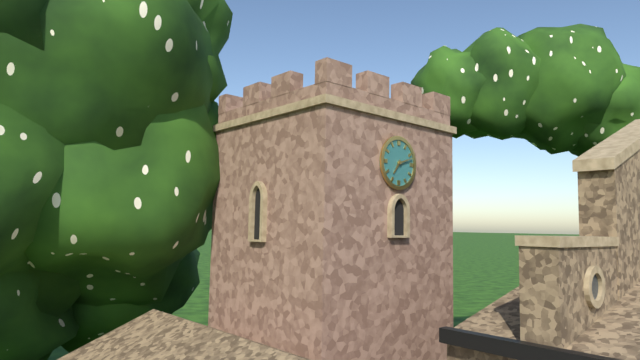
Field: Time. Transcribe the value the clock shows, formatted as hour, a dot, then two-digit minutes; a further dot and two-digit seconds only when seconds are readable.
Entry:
7.12
